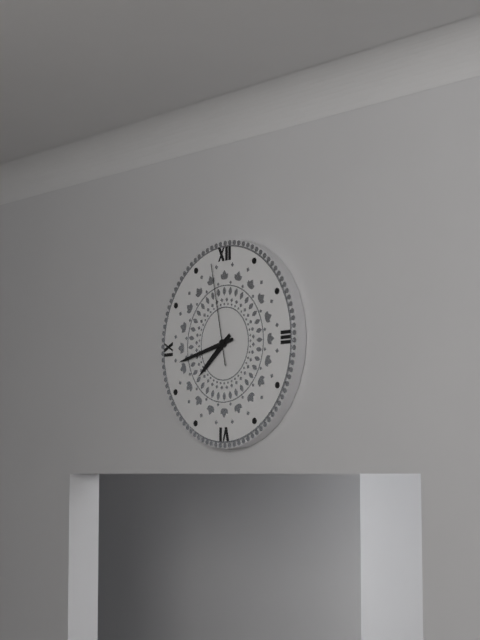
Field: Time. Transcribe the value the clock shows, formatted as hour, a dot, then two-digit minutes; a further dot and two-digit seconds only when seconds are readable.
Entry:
7.43.58
